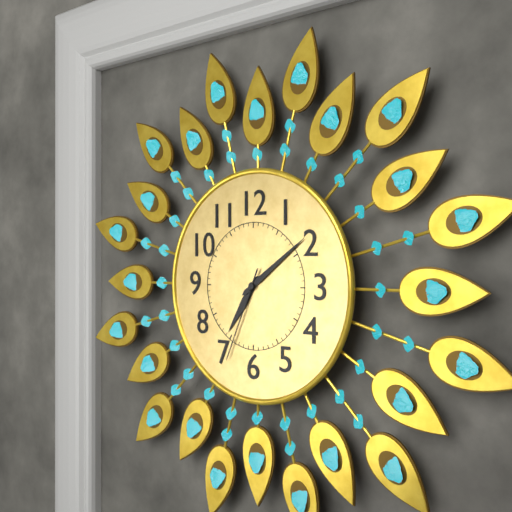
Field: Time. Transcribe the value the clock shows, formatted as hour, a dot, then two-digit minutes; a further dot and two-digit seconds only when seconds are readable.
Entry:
7.09.34
